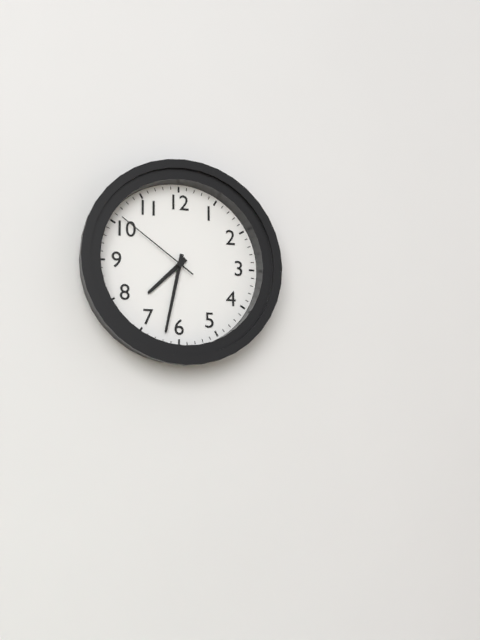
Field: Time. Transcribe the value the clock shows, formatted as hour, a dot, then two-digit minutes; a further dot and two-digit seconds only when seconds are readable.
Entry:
7.32.51
